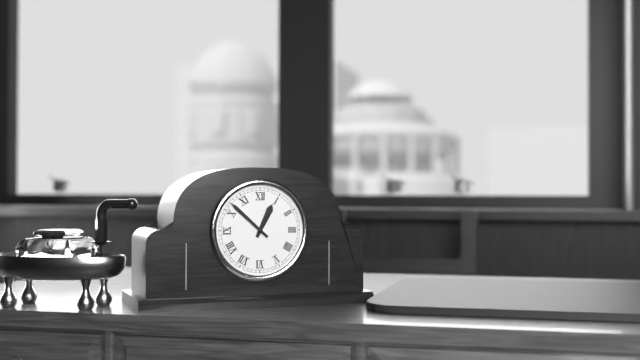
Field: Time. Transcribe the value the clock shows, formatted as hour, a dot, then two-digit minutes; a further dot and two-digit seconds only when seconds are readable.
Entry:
12.52
